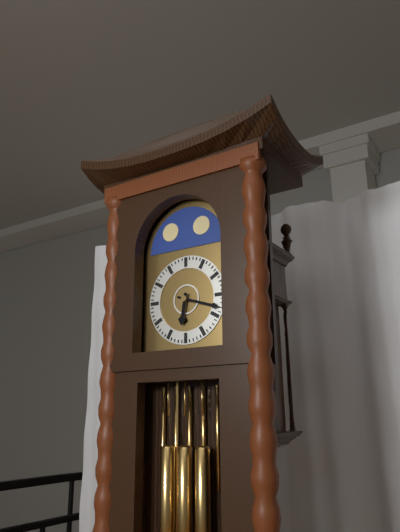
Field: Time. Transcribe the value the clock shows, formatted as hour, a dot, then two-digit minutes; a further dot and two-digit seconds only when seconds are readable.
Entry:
6.18
